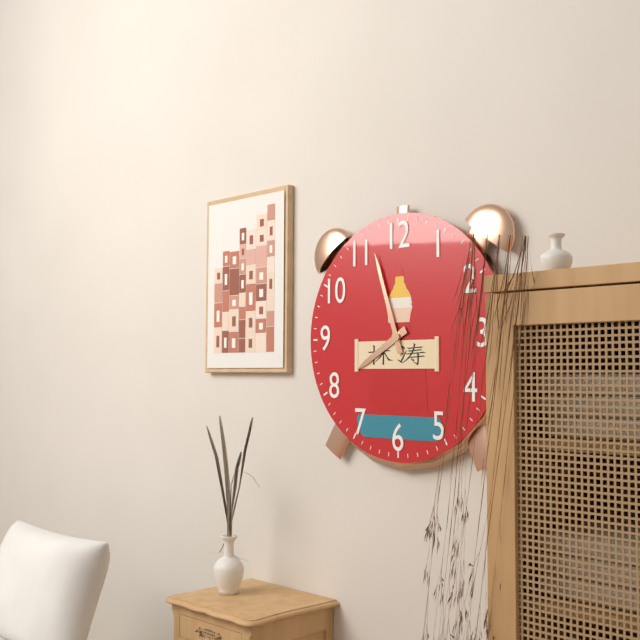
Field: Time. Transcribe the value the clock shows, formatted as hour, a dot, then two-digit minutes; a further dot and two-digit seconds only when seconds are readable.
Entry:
7.57
